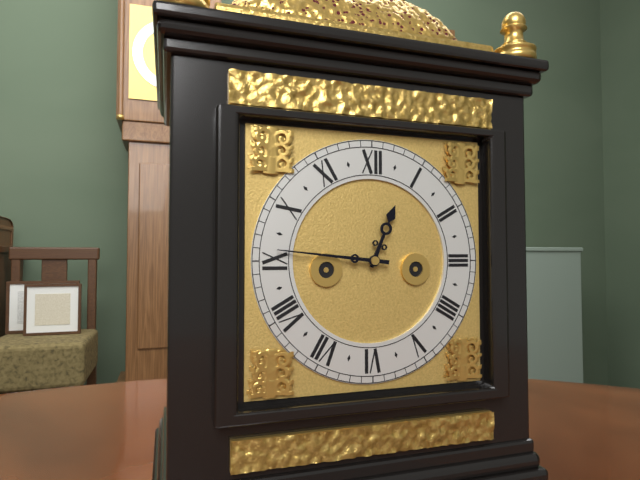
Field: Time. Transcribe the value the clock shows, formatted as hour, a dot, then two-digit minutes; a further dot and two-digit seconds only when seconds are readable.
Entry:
12.46
